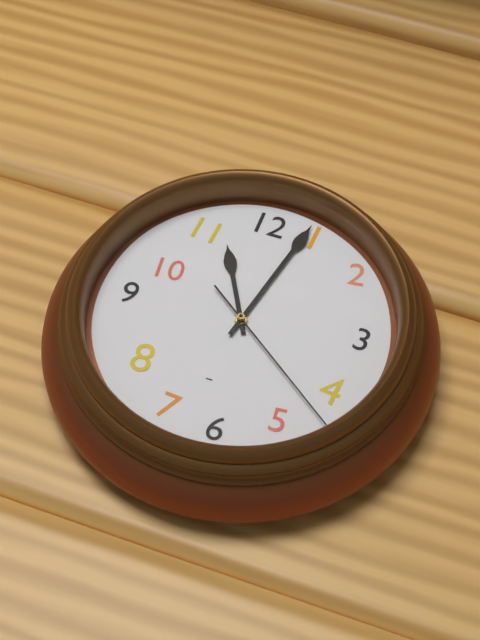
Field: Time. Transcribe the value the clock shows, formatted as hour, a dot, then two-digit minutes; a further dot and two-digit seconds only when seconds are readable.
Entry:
11.02.21
